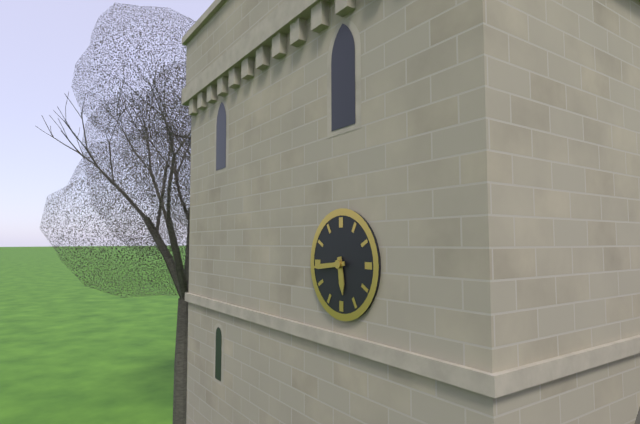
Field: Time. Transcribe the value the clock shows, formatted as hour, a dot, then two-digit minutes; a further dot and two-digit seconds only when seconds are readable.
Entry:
5.44
